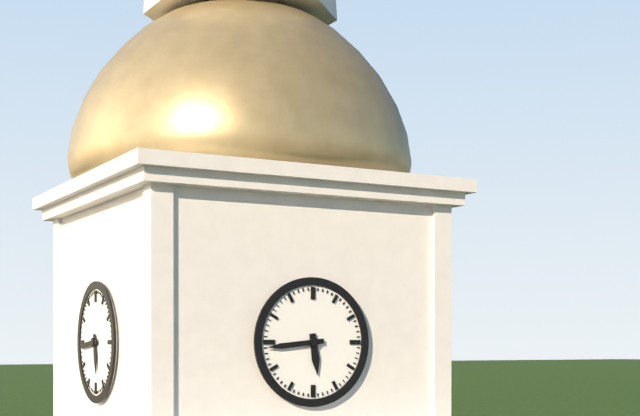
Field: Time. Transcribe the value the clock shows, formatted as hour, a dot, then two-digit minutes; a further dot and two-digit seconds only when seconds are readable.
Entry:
5.44
